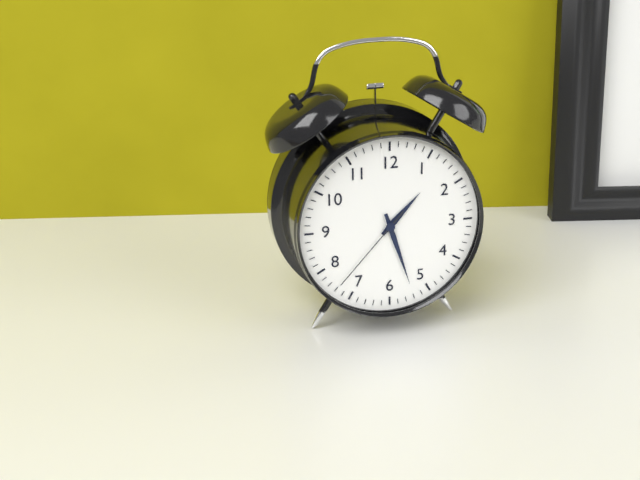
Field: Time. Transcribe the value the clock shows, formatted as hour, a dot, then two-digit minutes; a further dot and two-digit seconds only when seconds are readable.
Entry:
1.27.37
